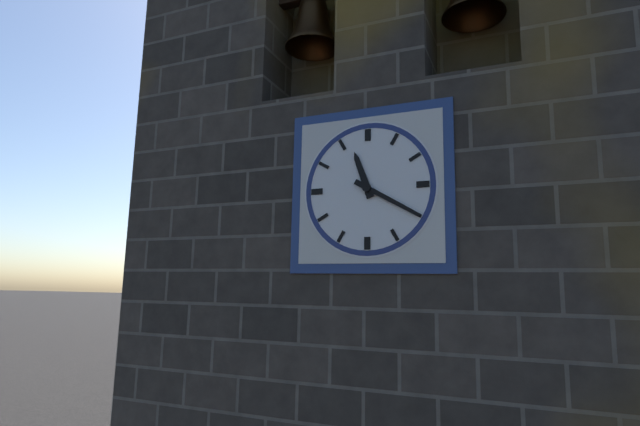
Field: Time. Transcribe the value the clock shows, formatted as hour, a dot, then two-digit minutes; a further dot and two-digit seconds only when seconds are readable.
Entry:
11.20
